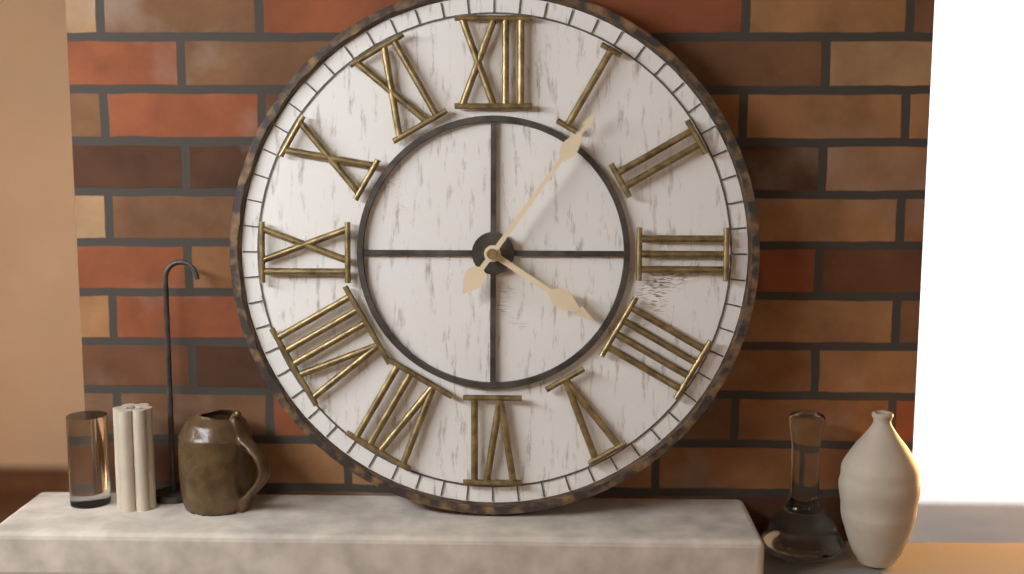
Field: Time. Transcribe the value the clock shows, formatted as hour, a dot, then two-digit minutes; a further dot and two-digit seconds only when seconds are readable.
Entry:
4.06
